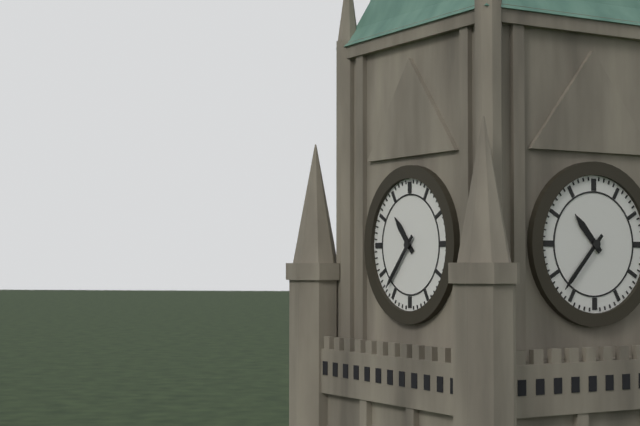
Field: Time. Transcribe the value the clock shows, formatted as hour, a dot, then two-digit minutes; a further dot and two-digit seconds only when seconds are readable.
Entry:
10.37
